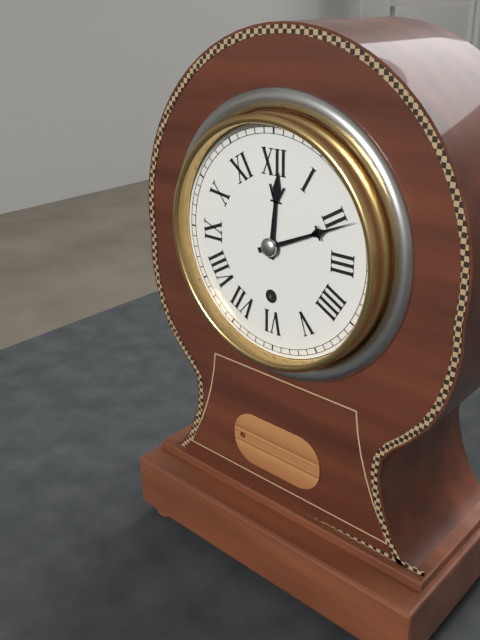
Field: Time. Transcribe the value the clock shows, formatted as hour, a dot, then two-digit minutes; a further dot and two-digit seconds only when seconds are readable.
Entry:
12.11
